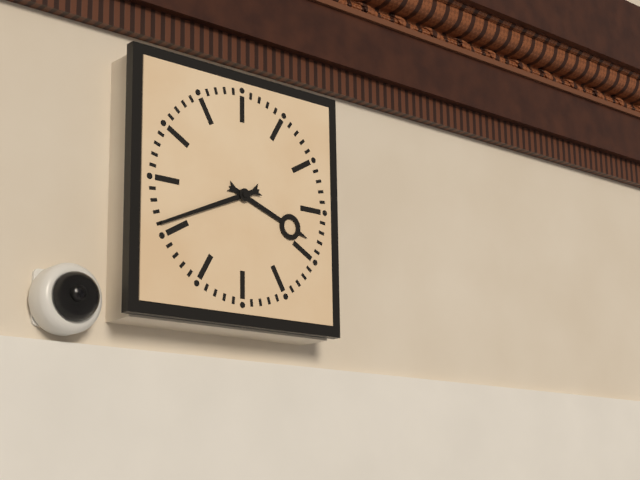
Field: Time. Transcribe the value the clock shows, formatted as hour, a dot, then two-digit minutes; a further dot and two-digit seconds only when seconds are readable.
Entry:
3.41
